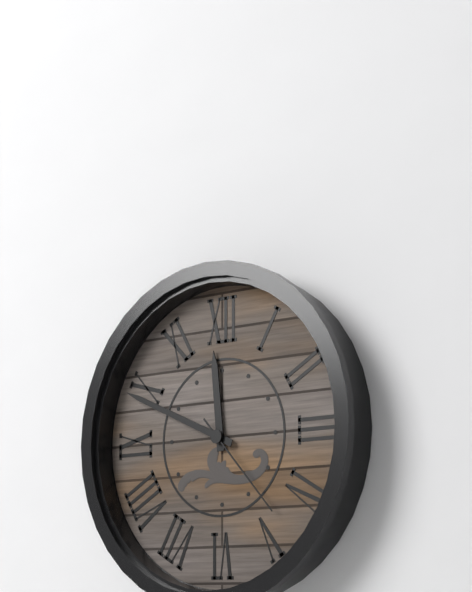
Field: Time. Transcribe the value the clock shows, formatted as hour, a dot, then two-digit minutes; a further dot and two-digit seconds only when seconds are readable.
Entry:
11.49.23
